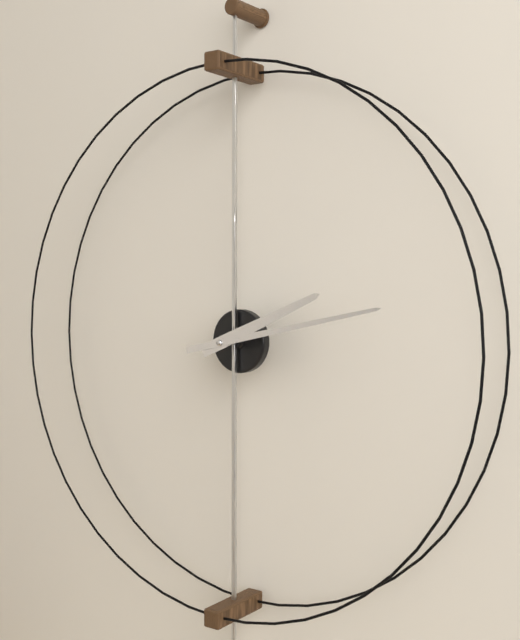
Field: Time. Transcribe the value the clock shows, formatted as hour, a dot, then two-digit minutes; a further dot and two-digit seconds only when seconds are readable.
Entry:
2.13
